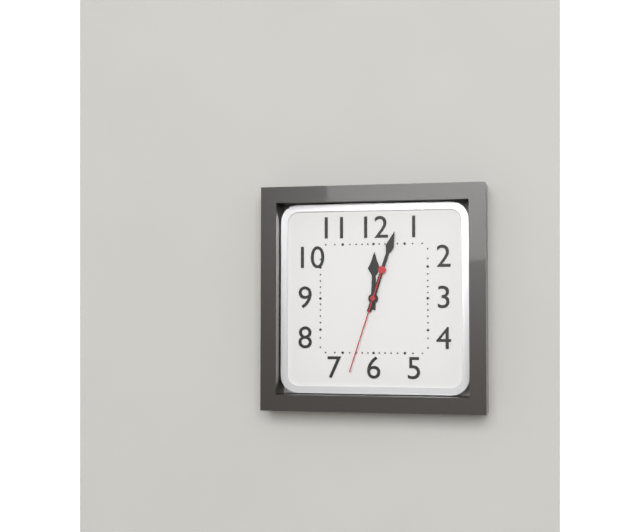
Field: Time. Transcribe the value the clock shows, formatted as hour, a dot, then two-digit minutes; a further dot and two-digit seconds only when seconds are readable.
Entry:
12.03.33
